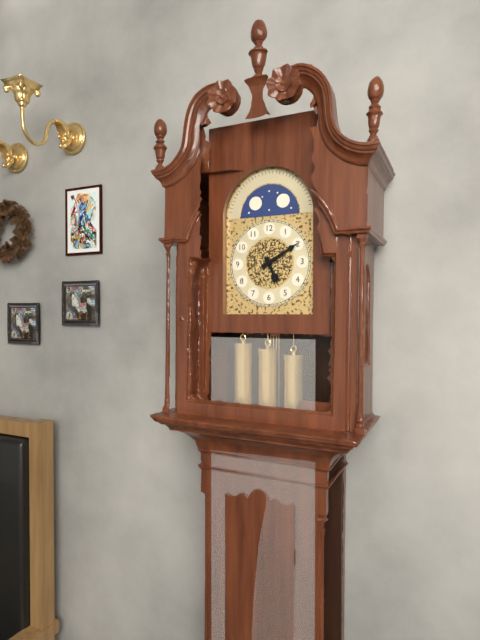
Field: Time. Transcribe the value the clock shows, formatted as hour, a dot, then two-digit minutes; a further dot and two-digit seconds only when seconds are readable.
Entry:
5.10
